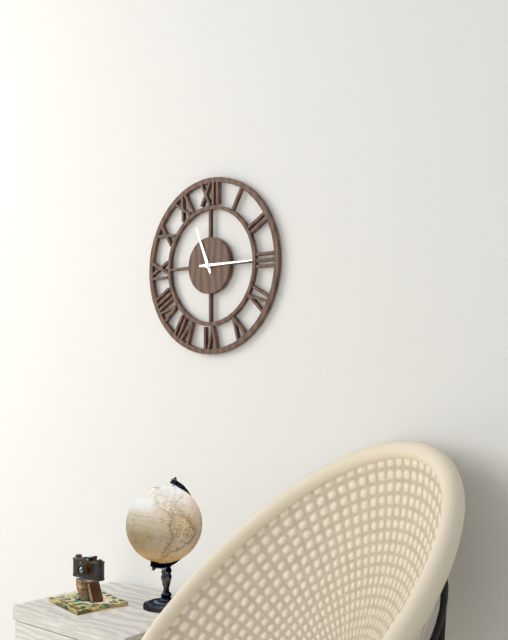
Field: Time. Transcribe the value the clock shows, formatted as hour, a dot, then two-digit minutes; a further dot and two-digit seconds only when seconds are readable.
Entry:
11.15
